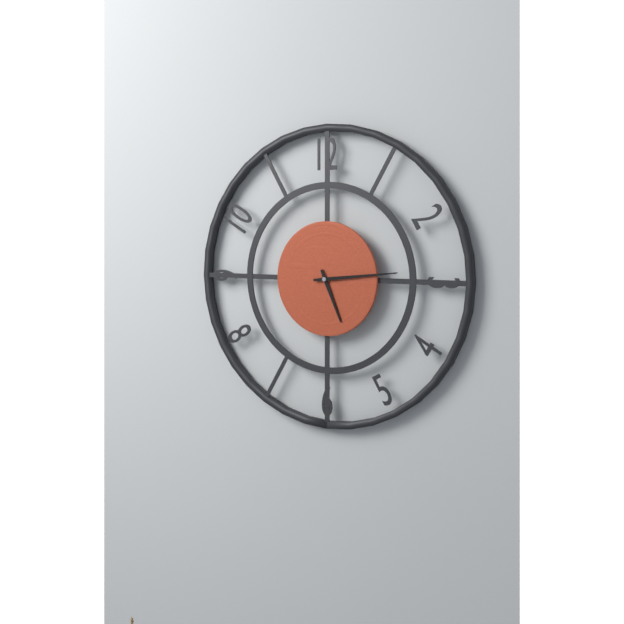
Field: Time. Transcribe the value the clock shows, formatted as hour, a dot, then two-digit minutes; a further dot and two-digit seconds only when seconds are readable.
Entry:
5.14
